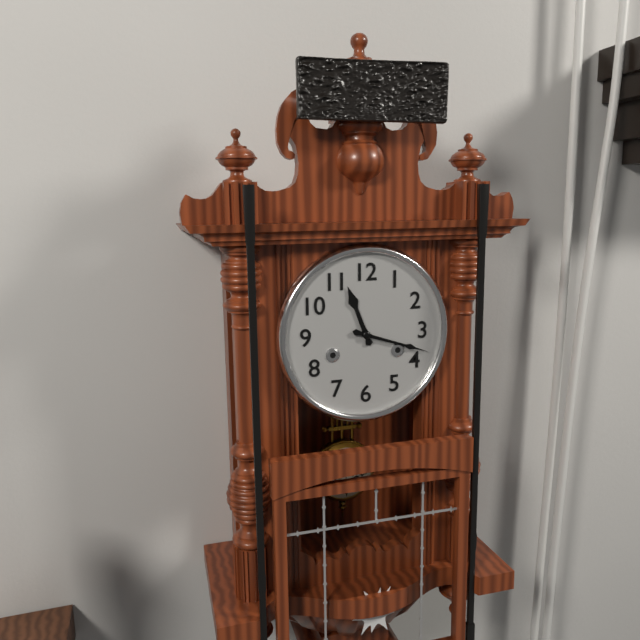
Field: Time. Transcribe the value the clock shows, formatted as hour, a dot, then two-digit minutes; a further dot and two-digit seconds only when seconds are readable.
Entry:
11.18
